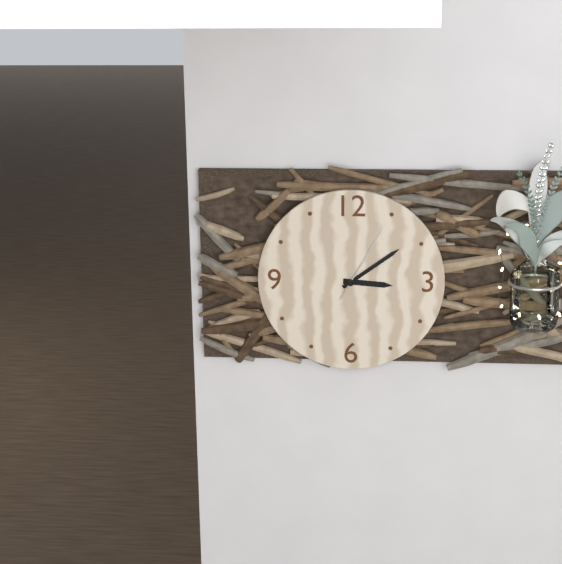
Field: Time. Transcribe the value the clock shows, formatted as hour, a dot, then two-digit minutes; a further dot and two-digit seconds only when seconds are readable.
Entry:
3.09.05
